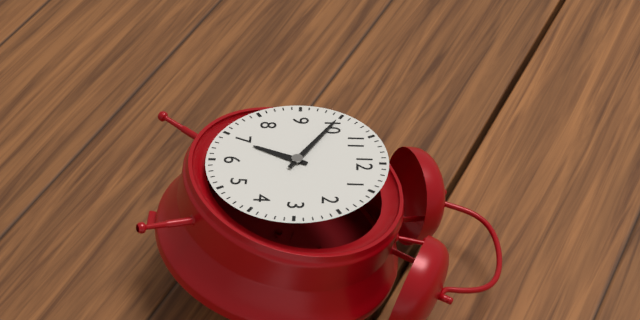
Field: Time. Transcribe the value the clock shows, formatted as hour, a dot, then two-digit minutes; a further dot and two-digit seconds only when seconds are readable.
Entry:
6.50
